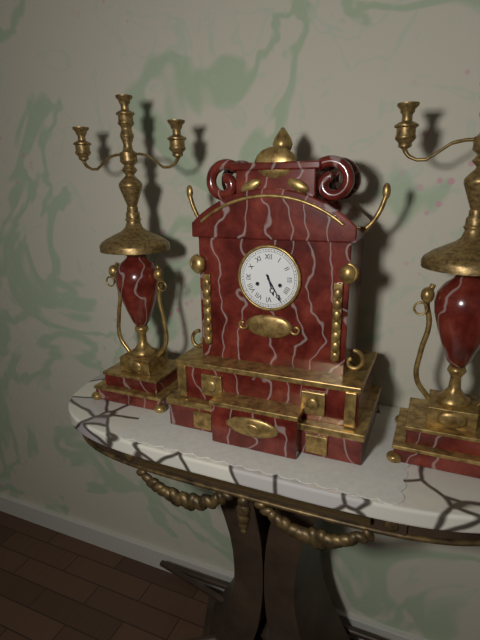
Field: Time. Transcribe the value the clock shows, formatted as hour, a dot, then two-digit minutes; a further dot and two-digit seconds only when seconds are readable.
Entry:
5.25
